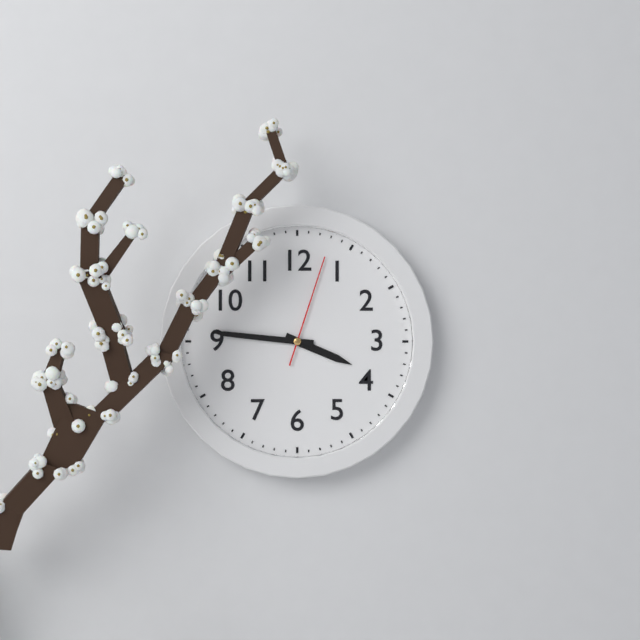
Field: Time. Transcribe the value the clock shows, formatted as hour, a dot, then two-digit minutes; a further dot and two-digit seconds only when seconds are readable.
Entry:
3.46.03
